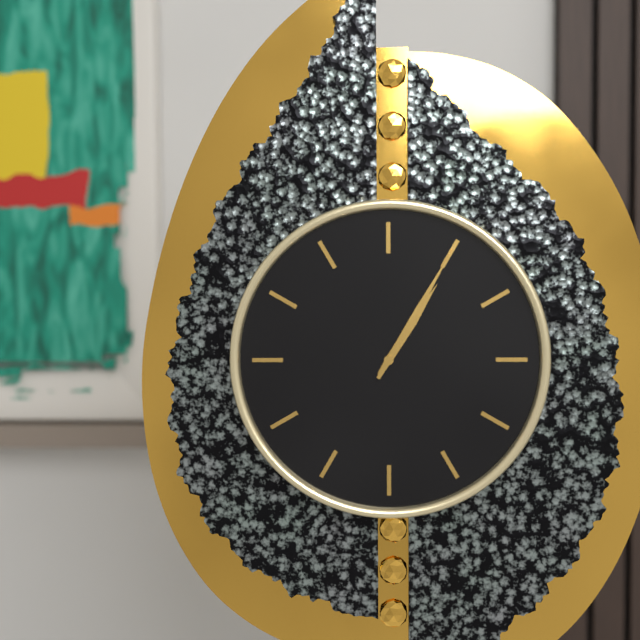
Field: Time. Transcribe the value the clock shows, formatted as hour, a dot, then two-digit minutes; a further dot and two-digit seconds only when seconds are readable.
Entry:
1.05
